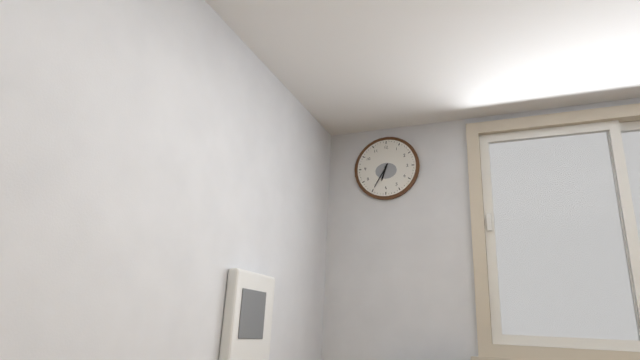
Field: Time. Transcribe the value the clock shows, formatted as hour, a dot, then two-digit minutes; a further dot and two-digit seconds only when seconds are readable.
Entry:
6.35
